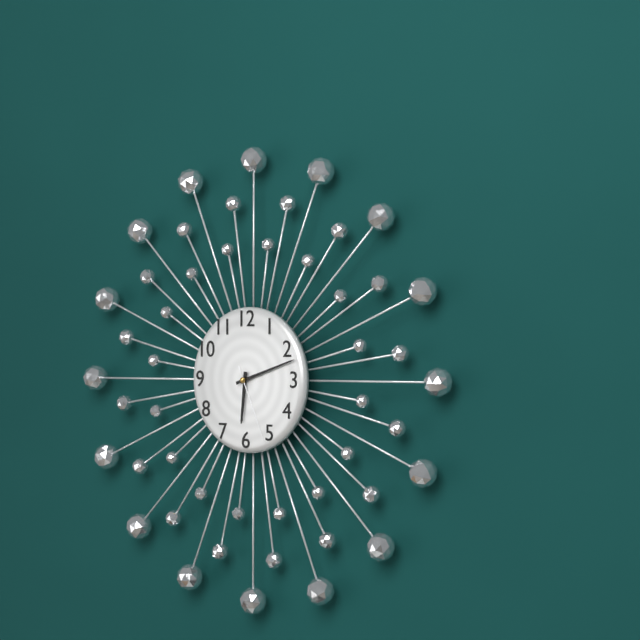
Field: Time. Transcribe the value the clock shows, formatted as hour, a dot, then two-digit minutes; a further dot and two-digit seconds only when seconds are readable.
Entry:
6.12.26
